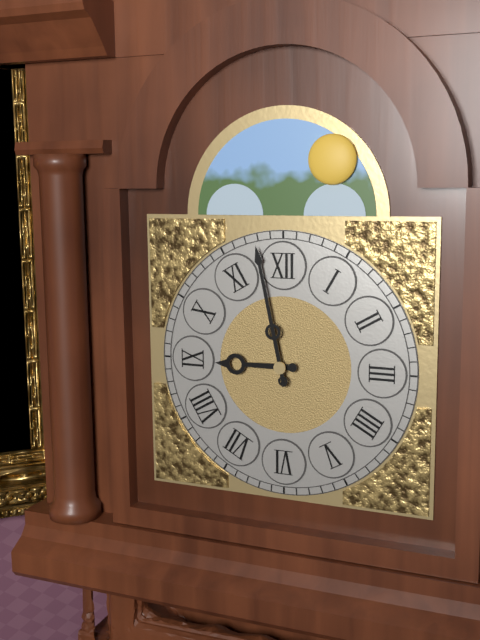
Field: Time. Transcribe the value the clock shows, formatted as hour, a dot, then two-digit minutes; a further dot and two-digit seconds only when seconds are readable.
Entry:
8.58
